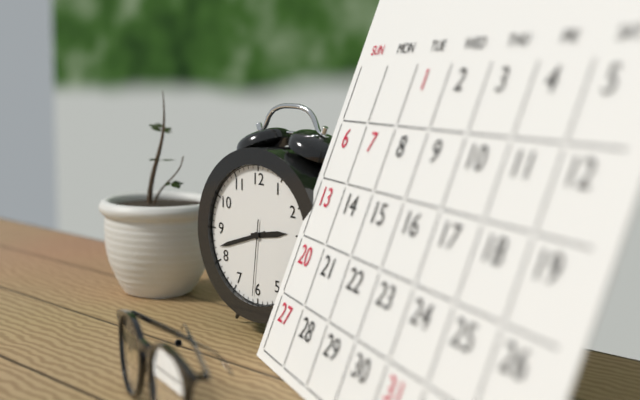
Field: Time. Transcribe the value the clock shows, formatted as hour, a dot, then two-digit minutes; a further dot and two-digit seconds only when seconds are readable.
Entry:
2.42.31
